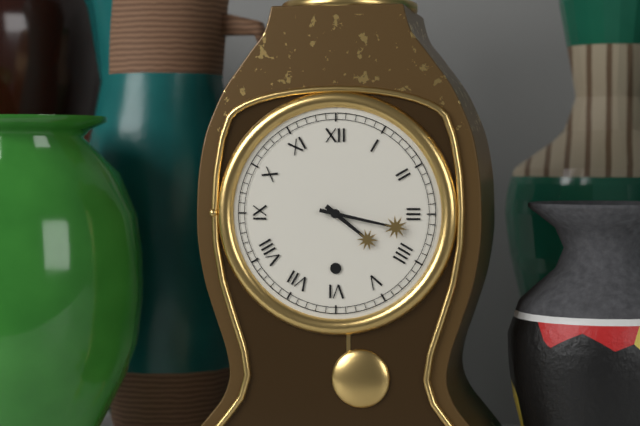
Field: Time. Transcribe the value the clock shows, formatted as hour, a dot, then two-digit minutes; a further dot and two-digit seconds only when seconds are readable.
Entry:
4.17
